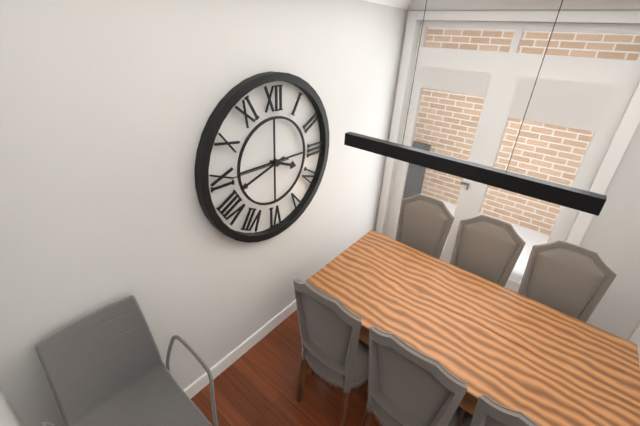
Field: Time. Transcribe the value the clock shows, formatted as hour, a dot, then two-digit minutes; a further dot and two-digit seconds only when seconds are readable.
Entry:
3.42.45
